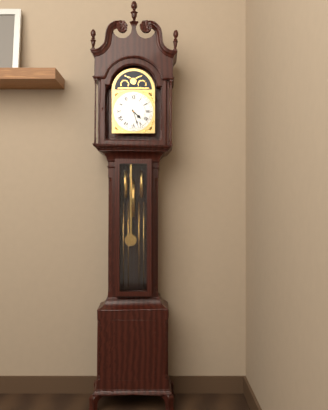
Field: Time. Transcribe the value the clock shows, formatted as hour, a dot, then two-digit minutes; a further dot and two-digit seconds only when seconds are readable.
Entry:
4.27
